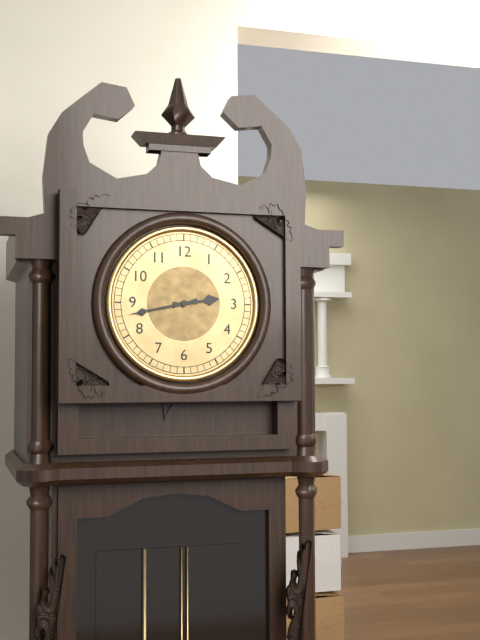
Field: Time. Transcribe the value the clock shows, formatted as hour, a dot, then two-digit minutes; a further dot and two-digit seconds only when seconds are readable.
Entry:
2.43
